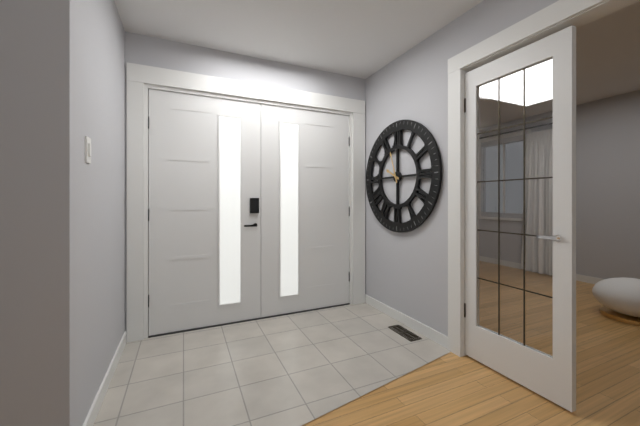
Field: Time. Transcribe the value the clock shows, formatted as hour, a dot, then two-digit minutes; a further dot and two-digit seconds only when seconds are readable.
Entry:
9.57
